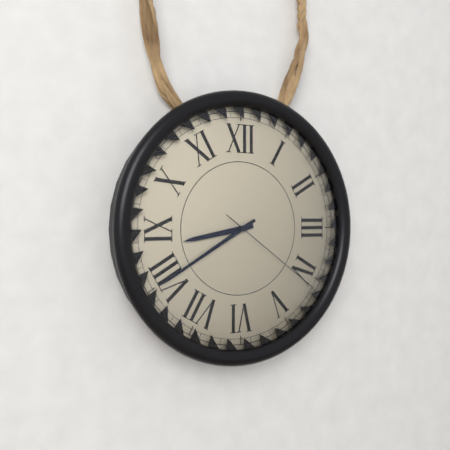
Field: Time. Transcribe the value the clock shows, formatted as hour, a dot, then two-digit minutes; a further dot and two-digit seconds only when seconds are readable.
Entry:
8.40.21
